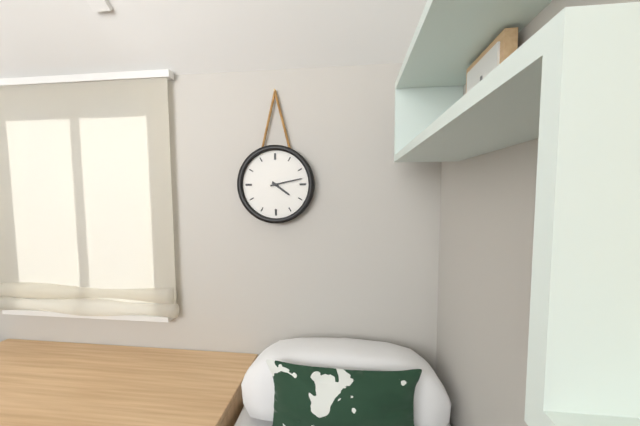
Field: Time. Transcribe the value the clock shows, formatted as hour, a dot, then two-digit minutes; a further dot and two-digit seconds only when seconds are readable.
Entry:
4.13
